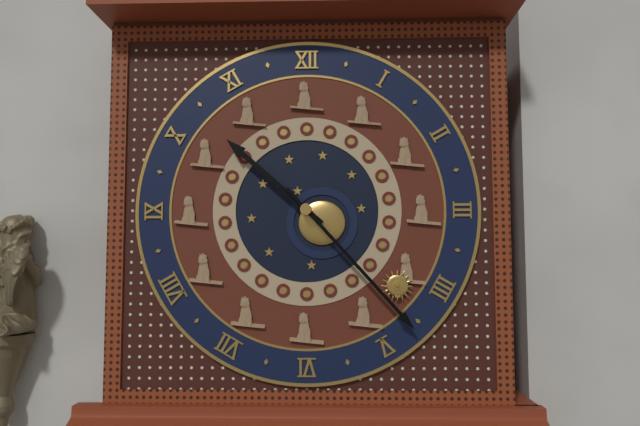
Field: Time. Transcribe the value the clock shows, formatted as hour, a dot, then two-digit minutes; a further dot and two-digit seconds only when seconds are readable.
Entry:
10.23
